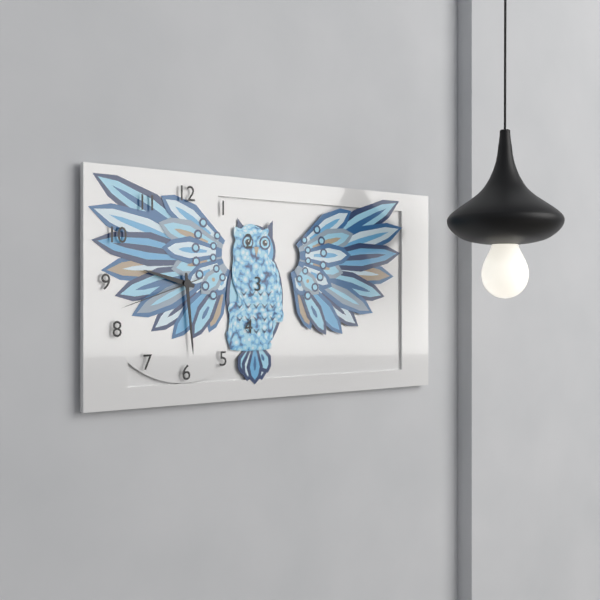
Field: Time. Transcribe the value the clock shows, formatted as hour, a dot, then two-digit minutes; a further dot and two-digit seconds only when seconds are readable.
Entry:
9.29.42
